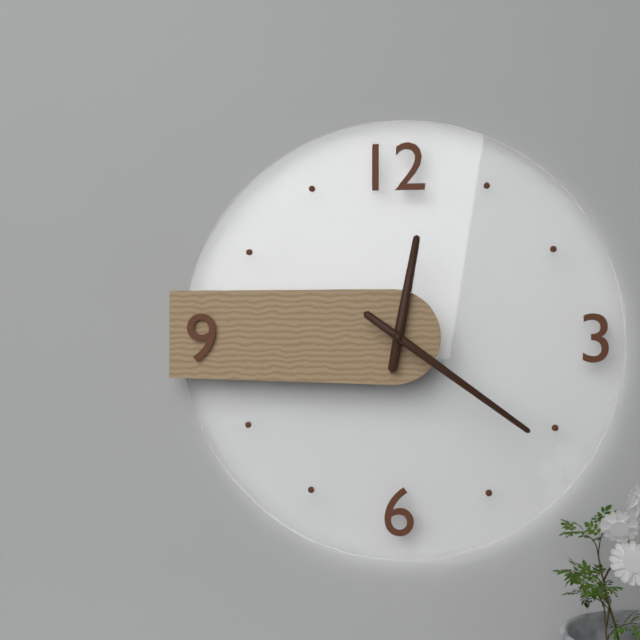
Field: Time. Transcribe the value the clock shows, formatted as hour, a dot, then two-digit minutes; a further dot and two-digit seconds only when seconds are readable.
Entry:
12.21
